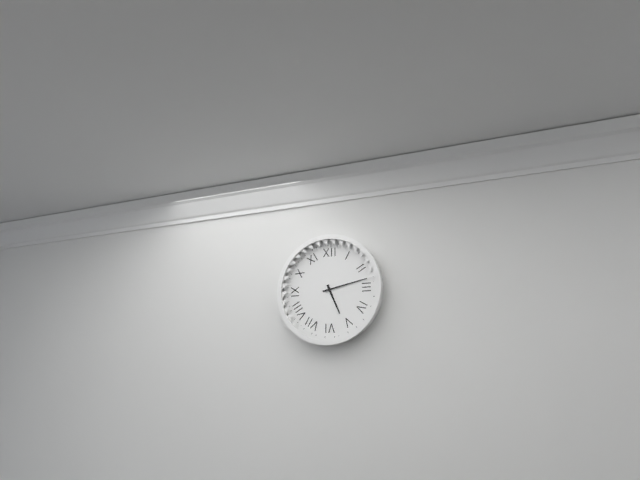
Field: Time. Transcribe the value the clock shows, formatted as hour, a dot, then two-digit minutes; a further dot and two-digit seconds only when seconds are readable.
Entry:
5.13
